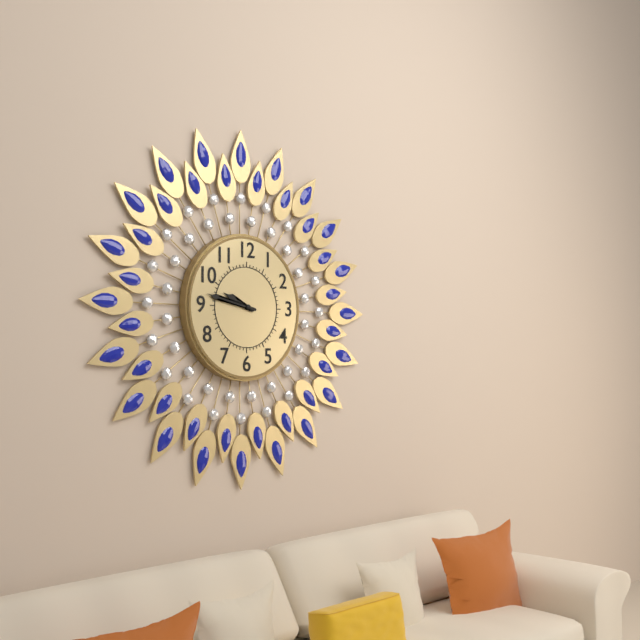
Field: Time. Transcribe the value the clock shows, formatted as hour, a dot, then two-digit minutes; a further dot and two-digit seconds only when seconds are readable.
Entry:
9.47
